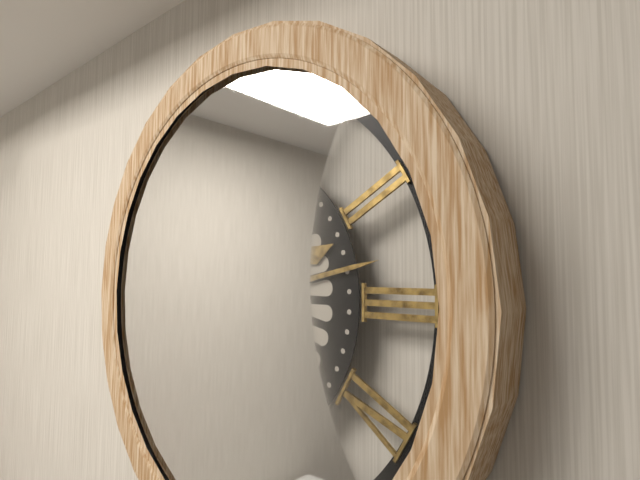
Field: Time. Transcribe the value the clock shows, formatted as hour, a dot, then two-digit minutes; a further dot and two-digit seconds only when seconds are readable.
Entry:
2.13
